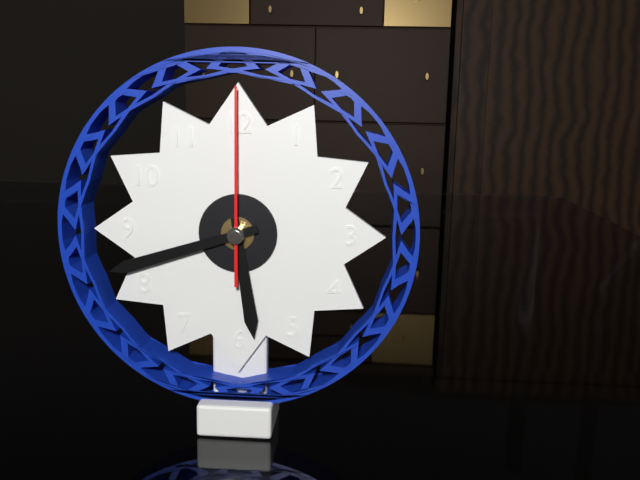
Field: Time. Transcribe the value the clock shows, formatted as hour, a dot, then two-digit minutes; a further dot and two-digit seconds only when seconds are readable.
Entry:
5.42.00
